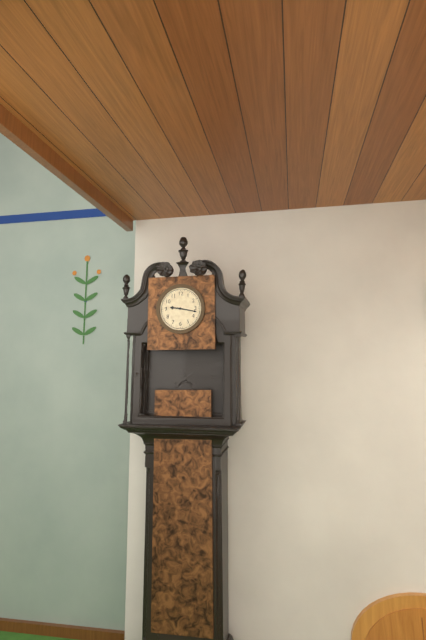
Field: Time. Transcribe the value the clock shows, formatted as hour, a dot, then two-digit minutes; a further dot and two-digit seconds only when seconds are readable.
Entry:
9.17
